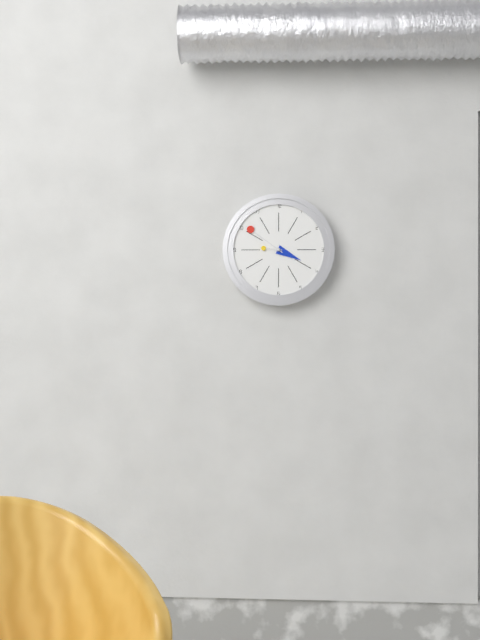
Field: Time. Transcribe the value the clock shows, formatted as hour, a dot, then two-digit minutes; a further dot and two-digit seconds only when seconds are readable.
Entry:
3.51
